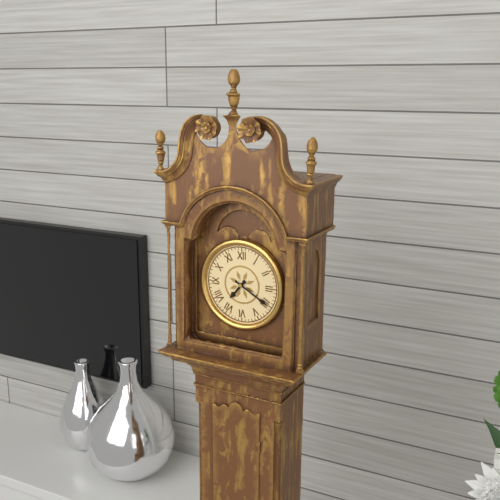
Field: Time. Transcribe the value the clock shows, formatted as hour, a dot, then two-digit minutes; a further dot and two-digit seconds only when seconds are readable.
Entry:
7.20
